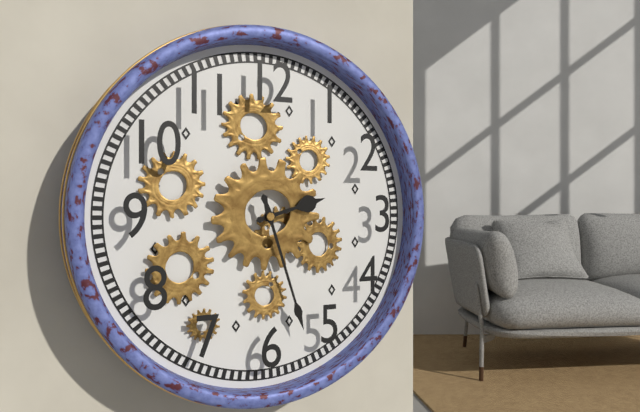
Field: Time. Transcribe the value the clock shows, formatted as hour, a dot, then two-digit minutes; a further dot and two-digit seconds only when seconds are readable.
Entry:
2.27
